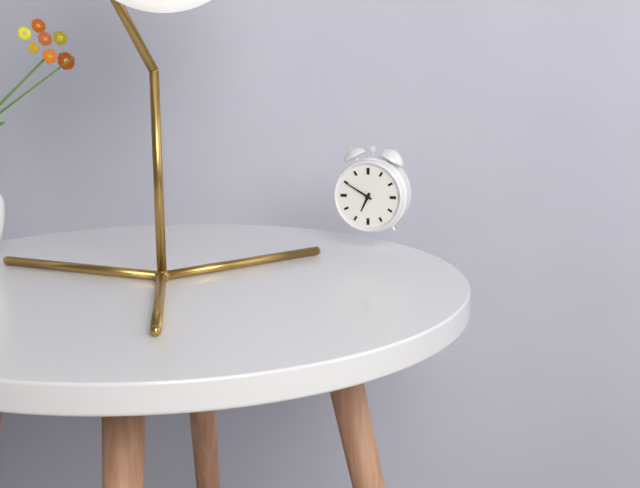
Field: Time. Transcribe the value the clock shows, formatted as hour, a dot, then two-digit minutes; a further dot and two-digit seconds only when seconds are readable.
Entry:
6.50
